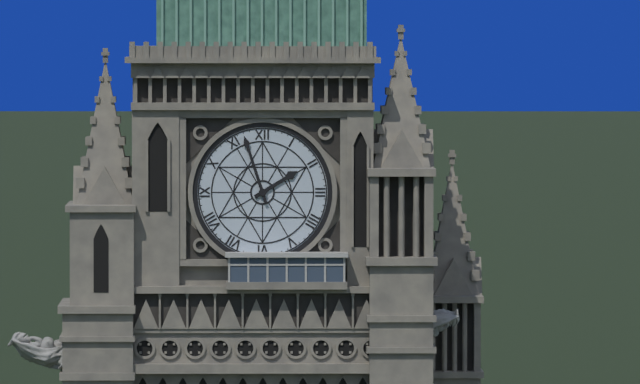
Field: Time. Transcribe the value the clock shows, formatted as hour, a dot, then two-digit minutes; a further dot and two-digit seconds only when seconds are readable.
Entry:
1.57
